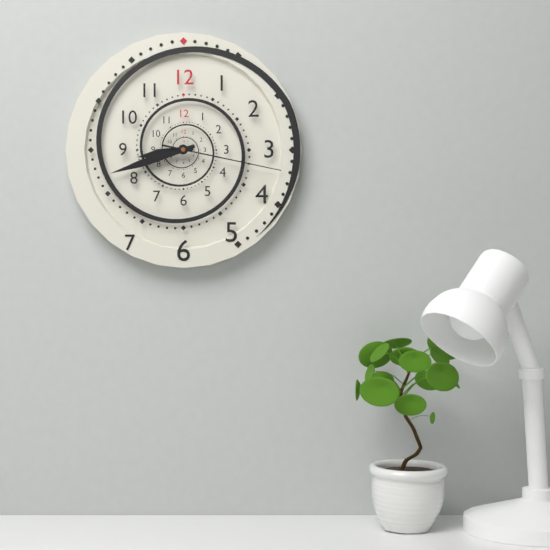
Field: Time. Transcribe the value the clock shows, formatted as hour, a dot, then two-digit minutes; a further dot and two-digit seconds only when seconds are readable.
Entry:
8.42.17
